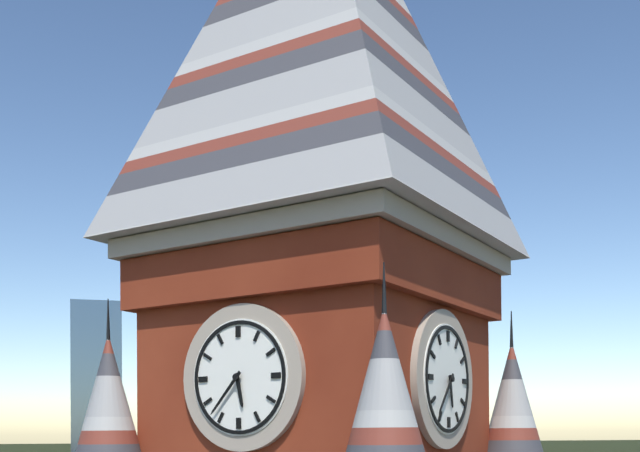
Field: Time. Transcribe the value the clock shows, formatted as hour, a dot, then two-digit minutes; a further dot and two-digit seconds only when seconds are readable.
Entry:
5.37
